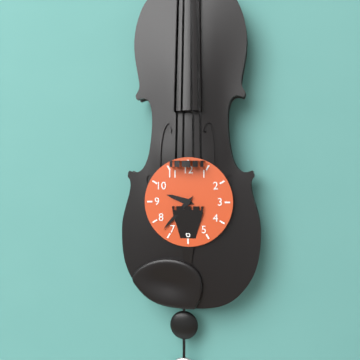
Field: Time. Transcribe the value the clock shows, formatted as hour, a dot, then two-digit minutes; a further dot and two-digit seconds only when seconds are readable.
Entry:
9.37
